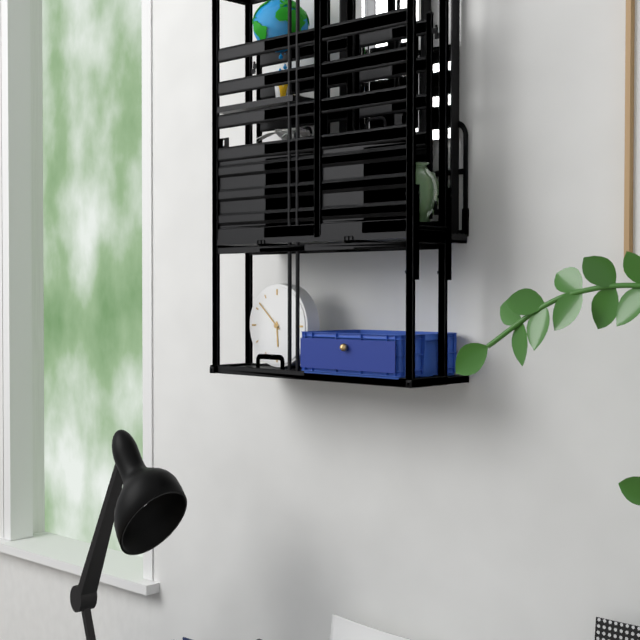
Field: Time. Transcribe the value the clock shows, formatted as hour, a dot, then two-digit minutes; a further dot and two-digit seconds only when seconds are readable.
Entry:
5.52
